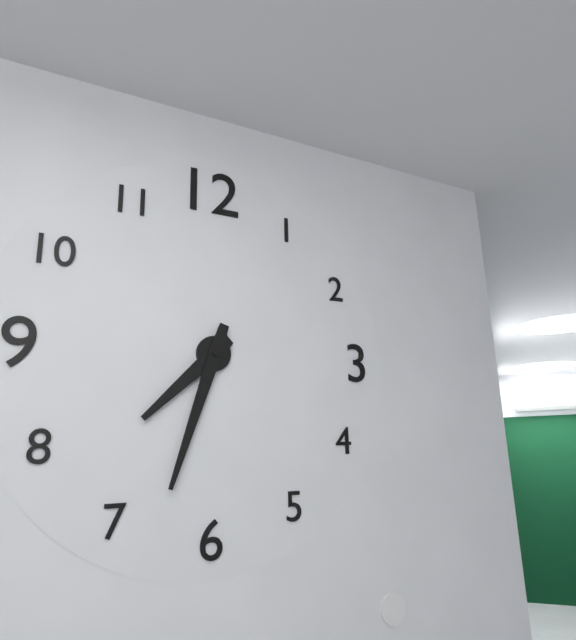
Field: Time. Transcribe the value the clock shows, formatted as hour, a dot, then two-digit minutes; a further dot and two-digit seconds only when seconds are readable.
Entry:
7.33
